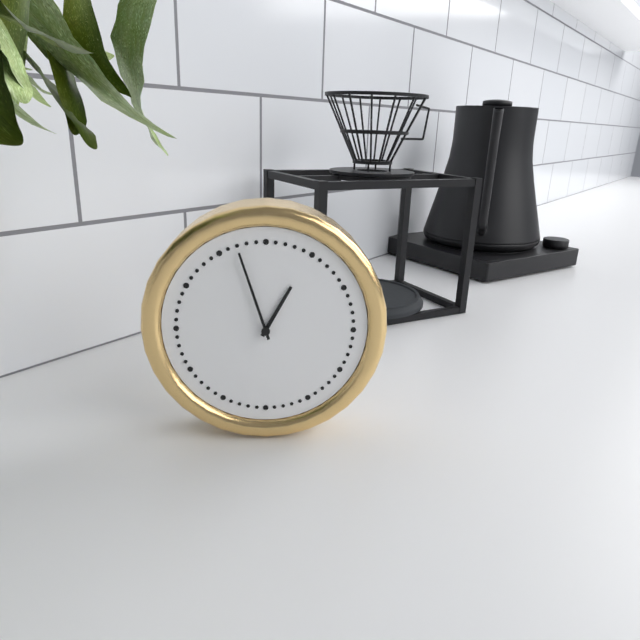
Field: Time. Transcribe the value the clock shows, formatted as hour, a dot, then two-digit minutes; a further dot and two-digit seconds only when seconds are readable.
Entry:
12.57
